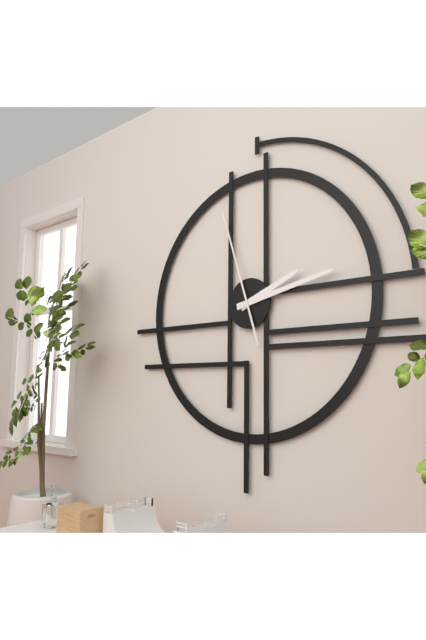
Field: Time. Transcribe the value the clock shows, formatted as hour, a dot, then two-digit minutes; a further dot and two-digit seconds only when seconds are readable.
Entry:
2.13.57
